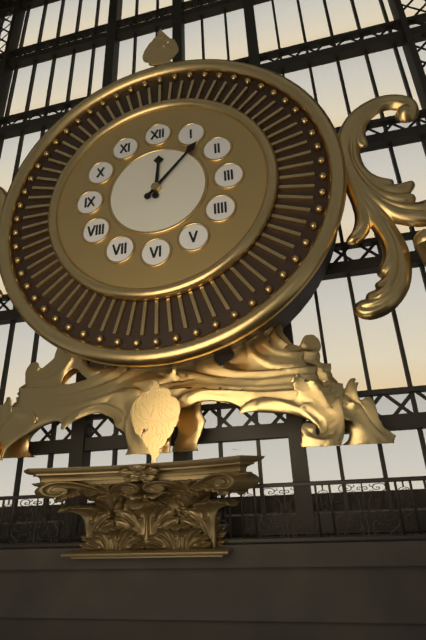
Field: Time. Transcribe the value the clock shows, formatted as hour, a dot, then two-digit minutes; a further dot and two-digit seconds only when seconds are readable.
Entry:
12.07
